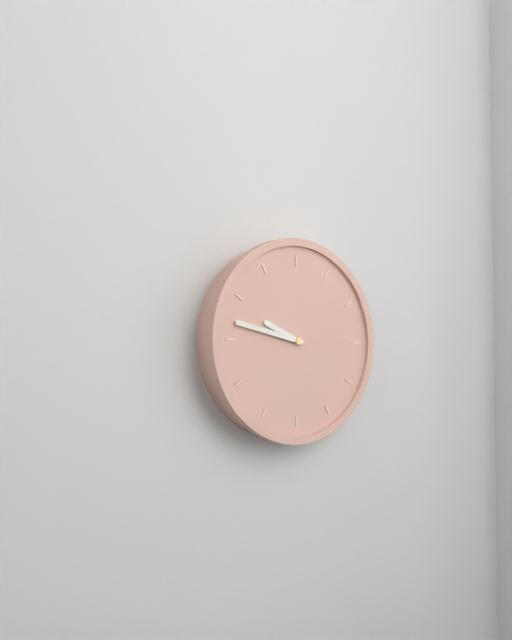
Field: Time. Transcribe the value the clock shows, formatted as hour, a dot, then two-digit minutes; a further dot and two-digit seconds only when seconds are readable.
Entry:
9.47
